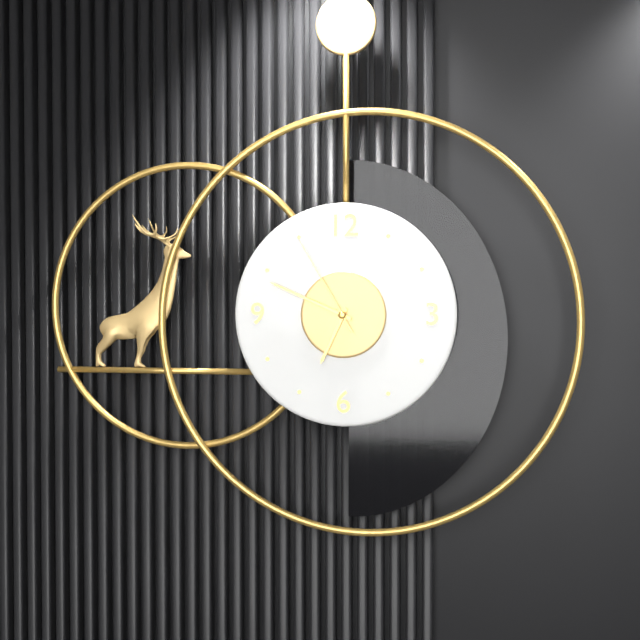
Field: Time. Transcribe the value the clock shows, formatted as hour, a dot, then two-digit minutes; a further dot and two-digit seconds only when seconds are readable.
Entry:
6.49.55
